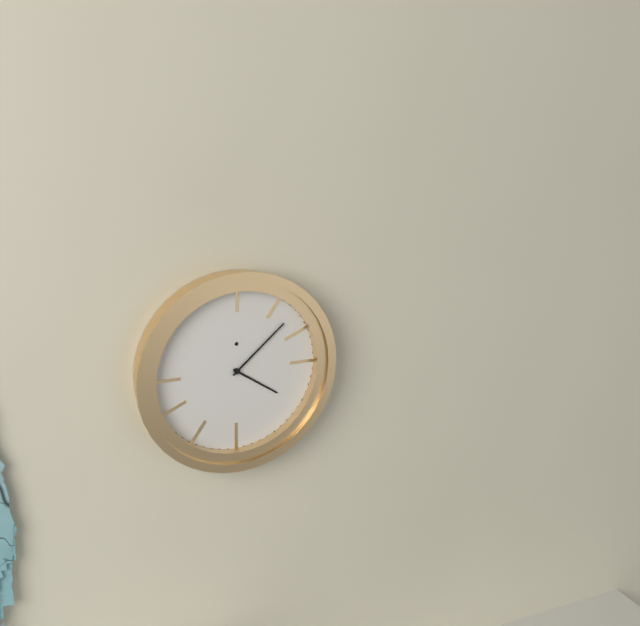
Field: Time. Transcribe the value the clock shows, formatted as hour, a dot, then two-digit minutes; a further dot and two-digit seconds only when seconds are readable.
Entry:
4.08
